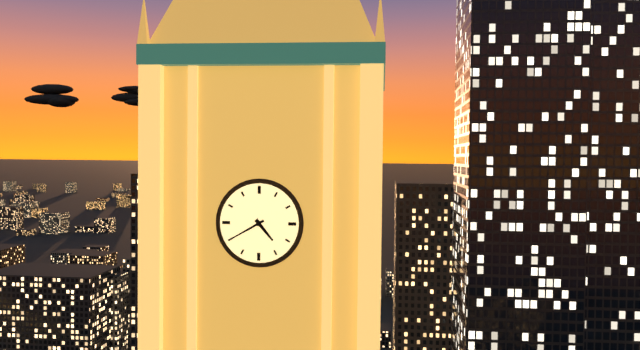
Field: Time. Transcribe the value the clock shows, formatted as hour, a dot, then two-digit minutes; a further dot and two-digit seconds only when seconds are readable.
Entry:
4.40
